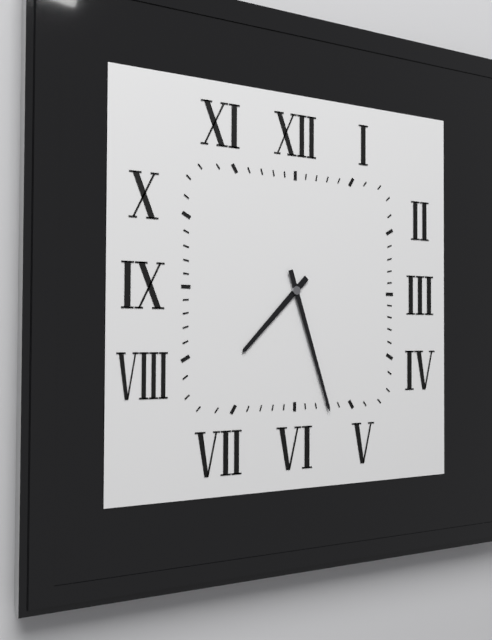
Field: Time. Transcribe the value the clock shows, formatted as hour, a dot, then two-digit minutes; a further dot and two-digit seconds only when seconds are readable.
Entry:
7.27
